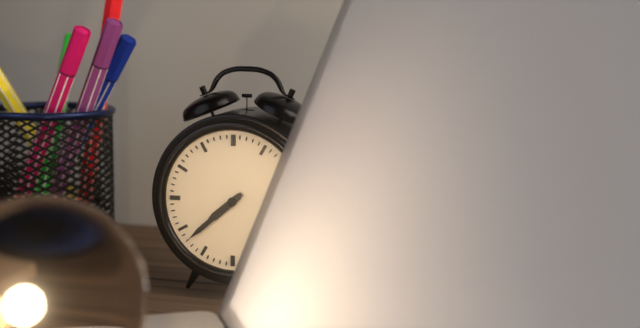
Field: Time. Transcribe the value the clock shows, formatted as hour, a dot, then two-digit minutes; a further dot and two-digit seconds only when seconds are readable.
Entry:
7.38
